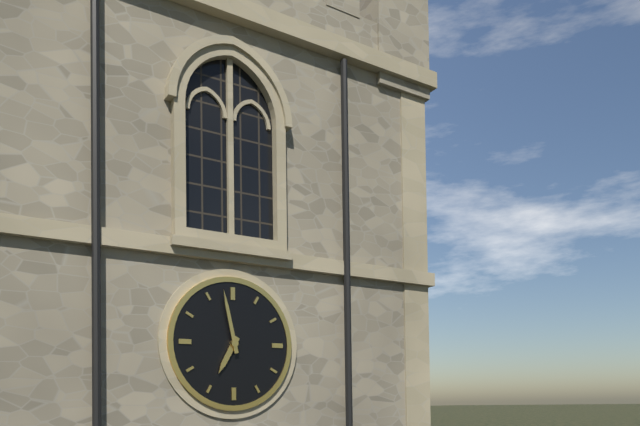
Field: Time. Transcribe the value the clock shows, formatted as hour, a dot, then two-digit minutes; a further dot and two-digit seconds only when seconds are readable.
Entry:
6.58
